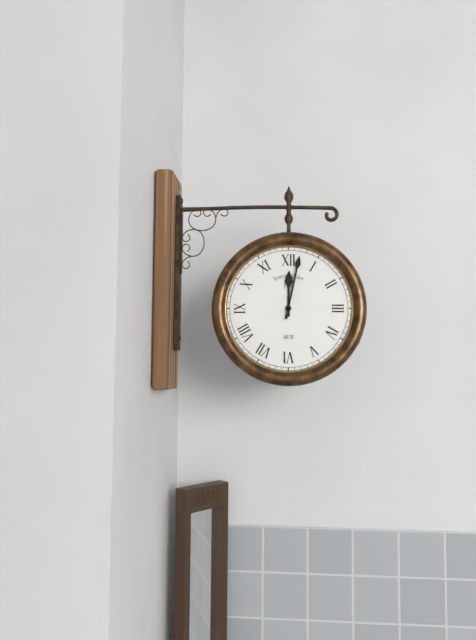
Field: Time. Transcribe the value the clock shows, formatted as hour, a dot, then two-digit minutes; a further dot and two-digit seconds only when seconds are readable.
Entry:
12.02
